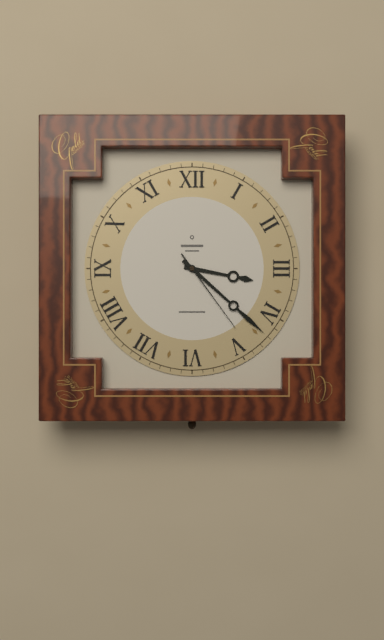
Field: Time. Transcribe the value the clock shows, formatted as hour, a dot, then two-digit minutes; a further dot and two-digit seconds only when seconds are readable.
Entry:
3.22.24
